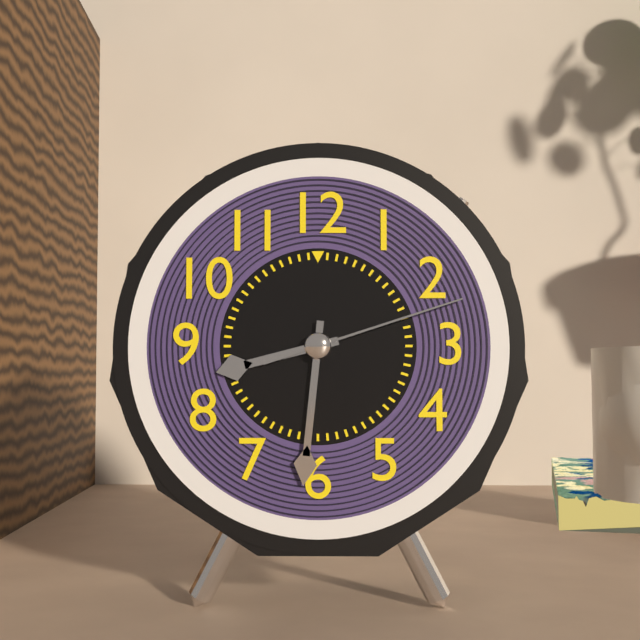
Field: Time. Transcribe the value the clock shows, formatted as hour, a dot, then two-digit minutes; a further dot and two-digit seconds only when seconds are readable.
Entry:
8.31.12
